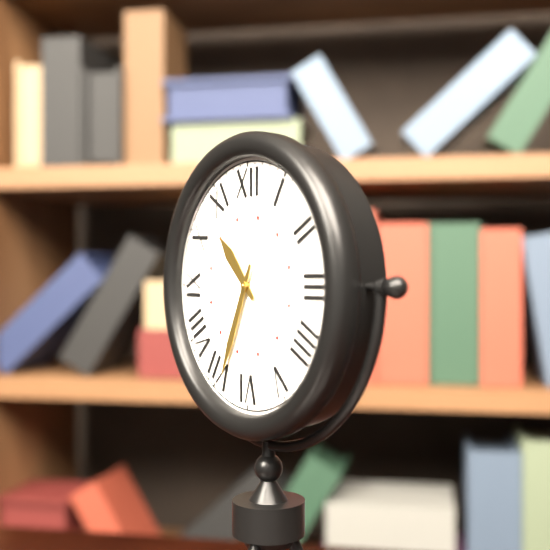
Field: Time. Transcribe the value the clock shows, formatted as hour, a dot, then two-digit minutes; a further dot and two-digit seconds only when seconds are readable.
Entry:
10.34
